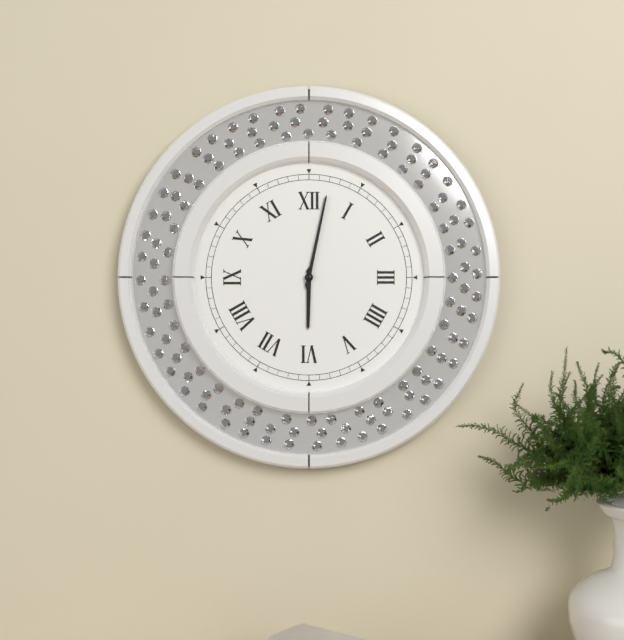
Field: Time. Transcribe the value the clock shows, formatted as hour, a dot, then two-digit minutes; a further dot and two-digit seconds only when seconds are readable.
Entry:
6.02
